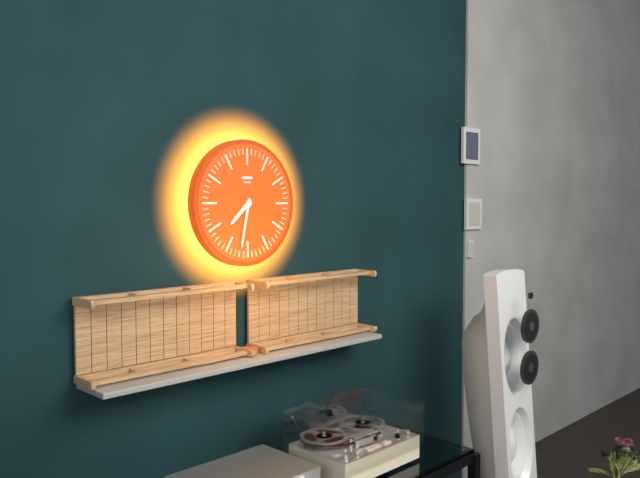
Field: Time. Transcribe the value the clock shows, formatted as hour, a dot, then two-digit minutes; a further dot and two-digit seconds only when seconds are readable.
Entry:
7.32
